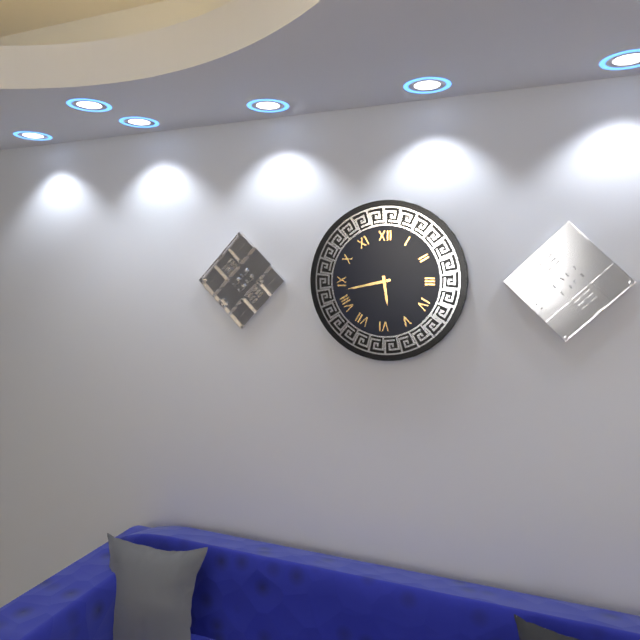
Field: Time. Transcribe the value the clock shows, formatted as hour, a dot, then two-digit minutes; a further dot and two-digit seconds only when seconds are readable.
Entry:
5.43
